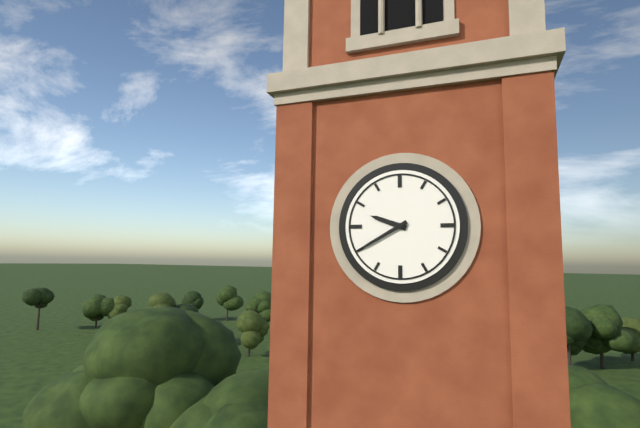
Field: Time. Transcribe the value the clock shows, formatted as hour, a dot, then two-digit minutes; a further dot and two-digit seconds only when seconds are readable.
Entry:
9.40
